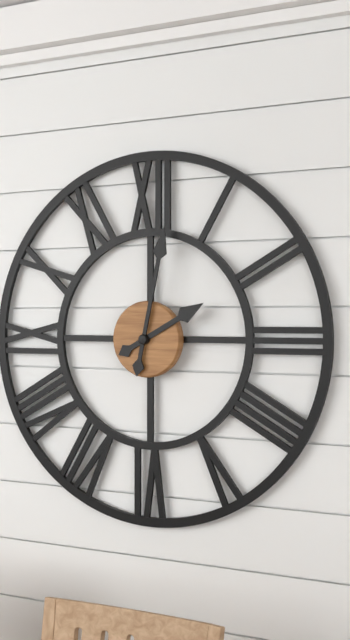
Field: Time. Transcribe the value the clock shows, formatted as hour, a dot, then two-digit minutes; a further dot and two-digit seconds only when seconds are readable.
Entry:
2.02
